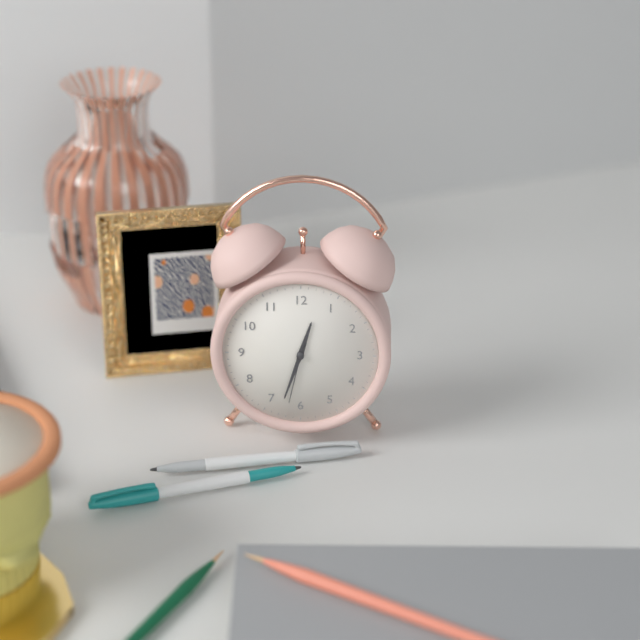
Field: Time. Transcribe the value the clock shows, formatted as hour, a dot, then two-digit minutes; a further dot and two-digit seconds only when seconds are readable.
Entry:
12.33.32
